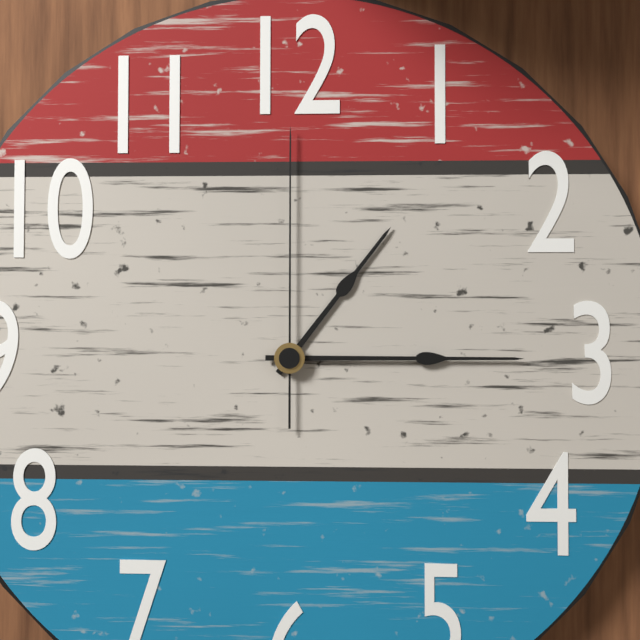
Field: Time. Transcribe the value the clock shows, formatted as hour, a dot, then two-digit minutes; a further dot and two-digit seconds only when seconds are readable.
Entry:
1.15.00
